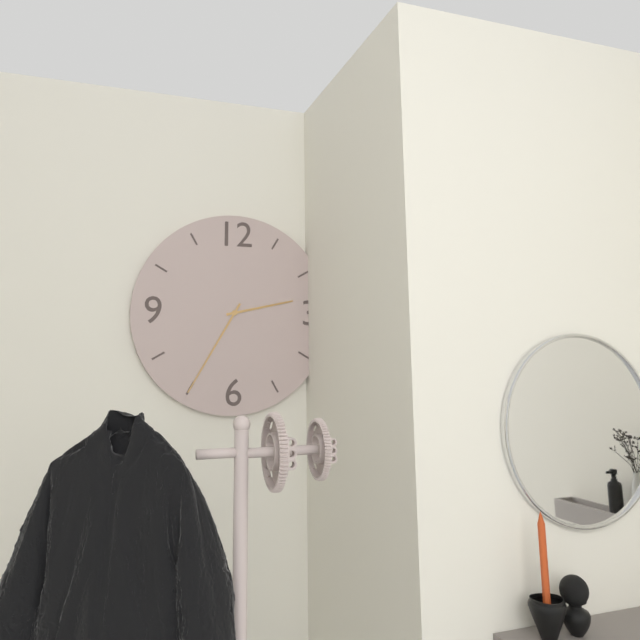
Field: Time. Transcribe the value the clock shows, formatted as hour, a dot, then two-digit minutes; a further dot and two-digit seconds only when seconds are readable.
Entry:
2.35
